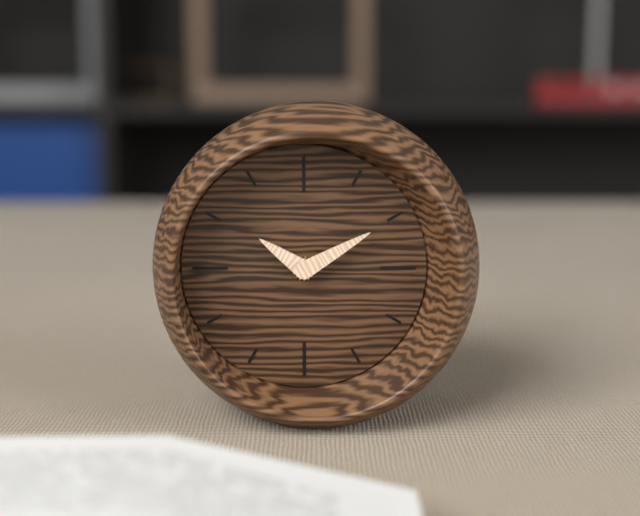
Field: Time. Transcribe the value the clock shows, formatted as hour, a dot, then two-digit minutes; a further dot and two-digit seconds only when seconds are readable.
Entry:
10.10
